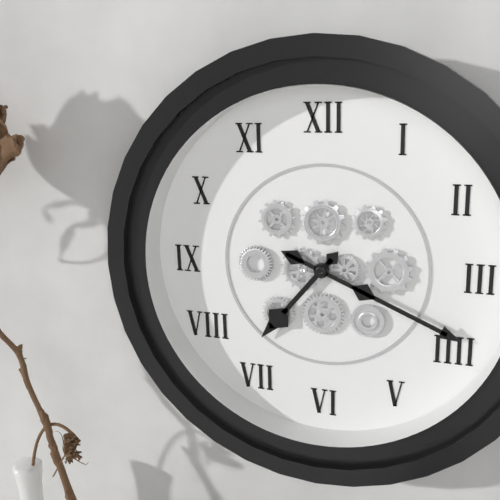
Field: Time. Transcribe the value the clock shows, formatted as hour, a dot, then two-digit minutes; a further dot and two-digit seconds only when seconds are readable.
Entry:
7.19
